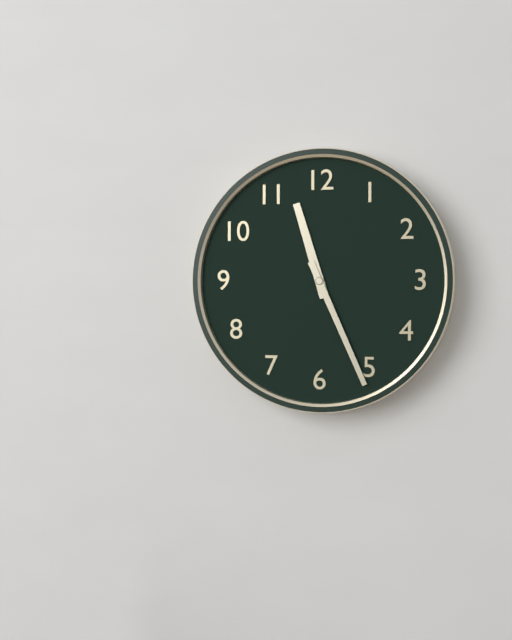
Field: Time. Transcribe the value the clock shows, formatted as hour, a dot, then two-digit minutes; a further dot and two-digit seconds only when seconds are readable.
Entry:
11.26
